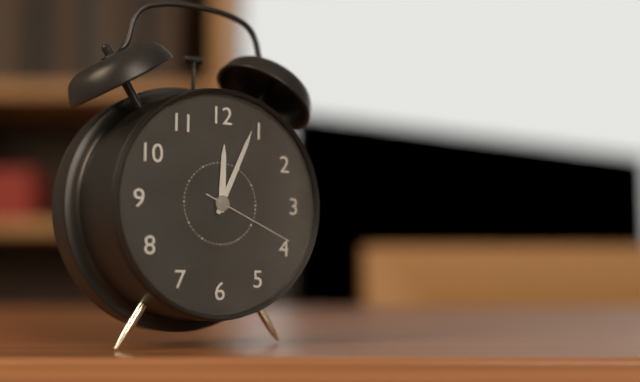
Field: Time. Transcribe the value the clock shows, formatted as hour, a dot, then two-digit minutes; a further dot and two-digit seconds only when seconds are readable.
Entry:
12.04.19
